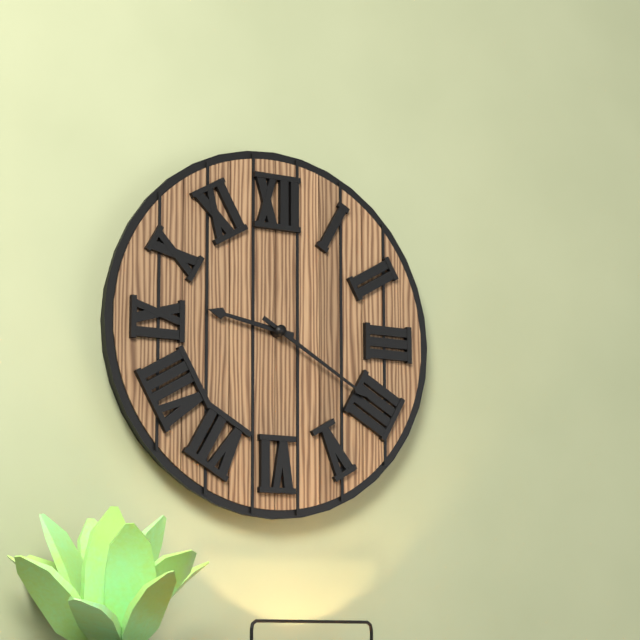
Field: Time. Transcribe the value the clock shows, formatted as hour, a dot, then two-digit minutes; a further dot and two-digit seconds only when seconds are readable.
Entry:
9.20
